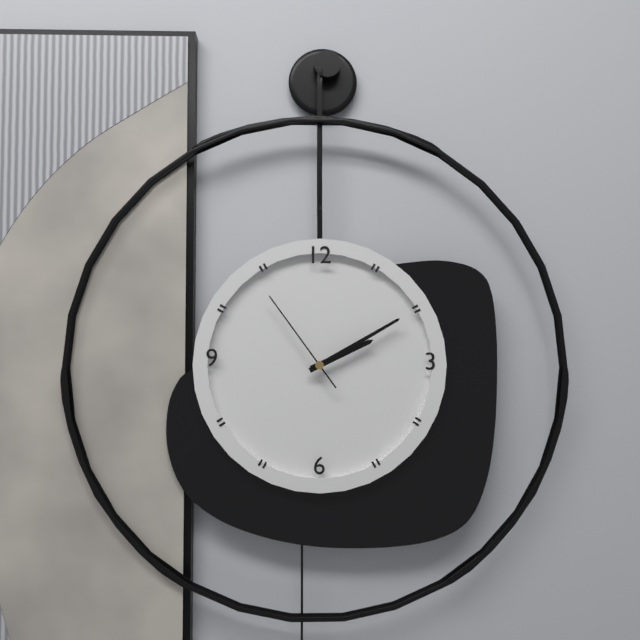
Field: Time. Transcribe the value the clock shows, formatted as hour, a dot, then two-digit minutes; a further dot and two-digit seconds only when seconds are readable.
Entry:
2.10.54
